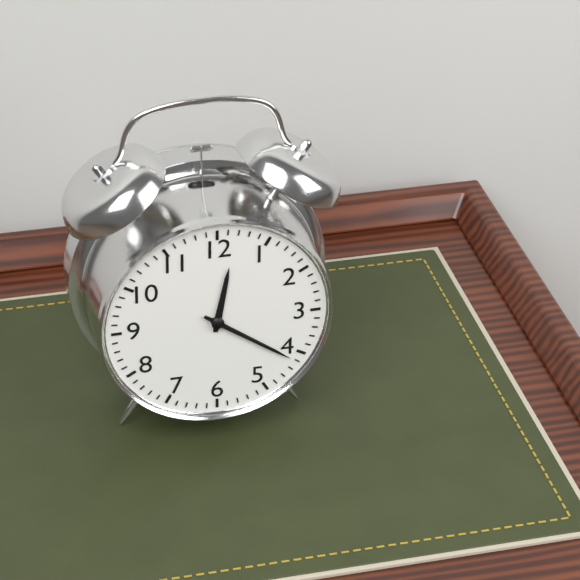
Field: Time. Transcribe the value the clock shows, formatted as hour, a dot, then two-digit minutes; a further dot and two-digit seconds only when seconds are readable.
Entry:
12.21
